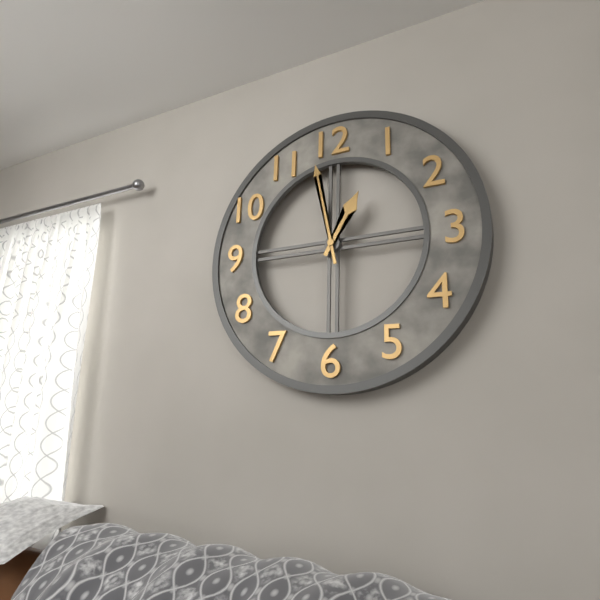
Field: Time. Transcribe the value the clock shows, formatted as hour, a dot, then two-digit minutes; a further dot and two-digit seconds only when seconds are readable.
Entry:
12.58
